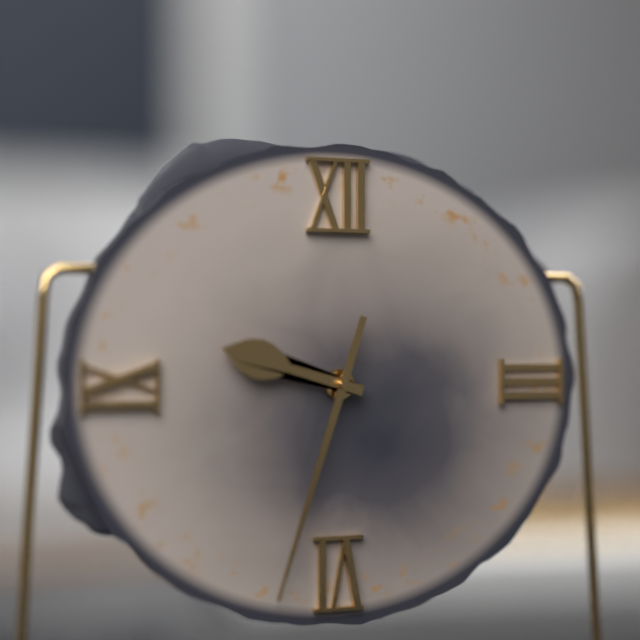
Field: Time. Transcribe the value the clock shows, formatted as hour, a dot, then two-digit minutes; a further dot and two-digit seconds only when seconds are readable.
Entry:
9.33
